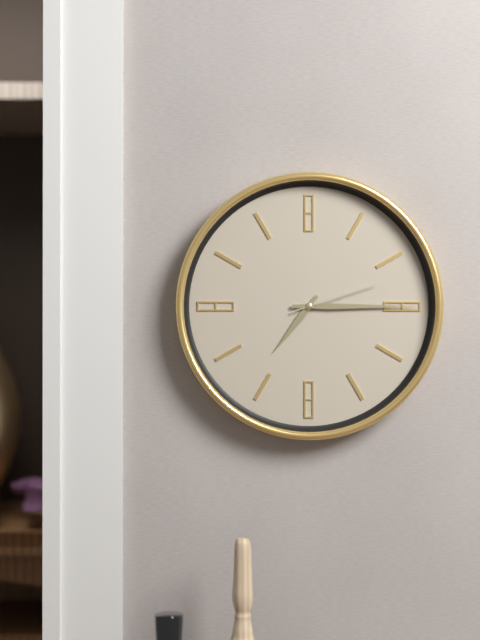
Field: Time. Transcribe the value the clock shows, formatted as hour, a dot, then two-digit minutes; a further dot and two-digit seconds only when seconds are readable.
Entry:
7.15.12
